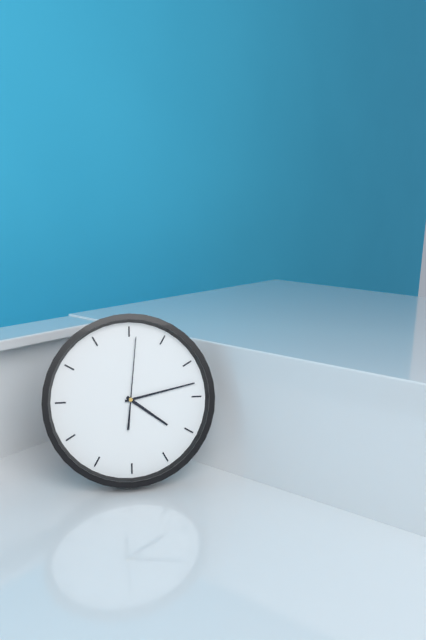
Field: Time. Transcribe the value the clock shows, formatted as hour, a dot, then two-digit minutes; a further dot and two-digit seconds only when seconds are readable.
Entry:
4.13.01
